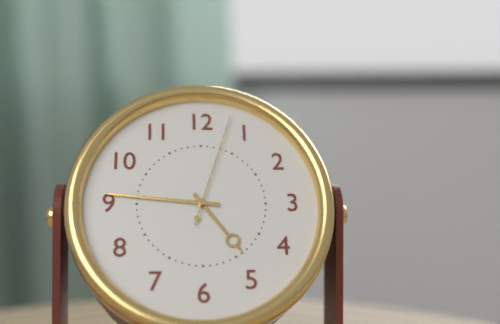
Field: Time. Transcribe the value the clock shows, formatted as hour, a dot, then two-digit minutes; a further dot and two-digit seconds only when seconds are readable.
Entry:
4.46.03
